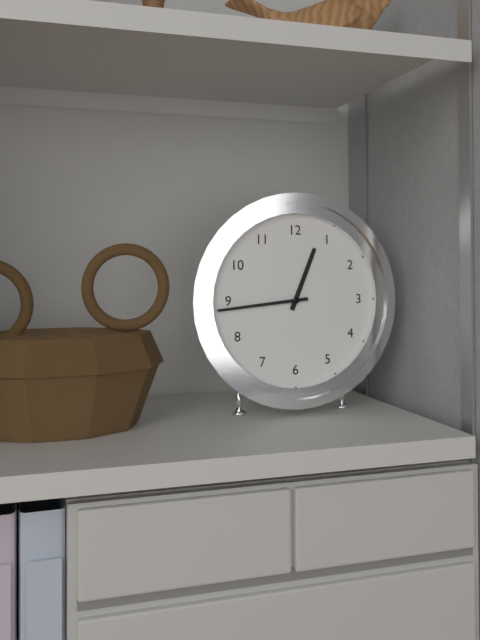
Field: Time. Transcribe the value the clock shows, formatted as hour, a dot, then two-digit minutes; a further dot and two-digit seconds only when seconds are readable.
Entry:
12.44
